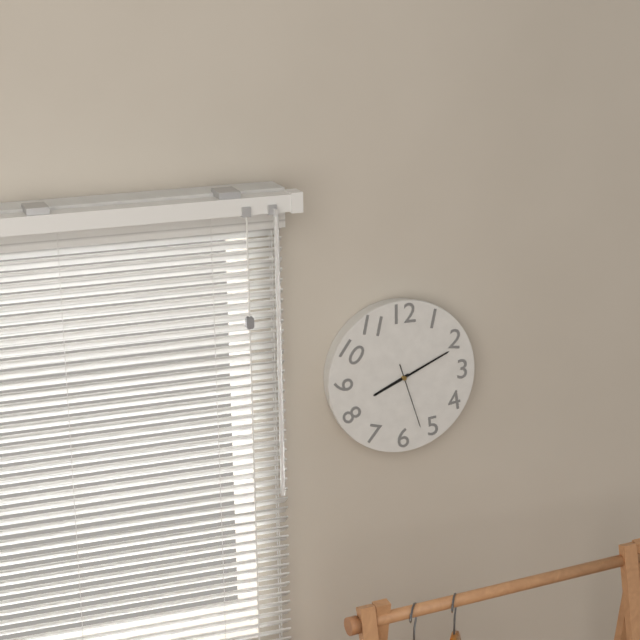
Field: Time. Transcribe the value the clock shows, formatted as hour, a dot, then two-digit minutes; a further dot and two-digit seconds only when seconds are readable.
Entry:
8.11.27
